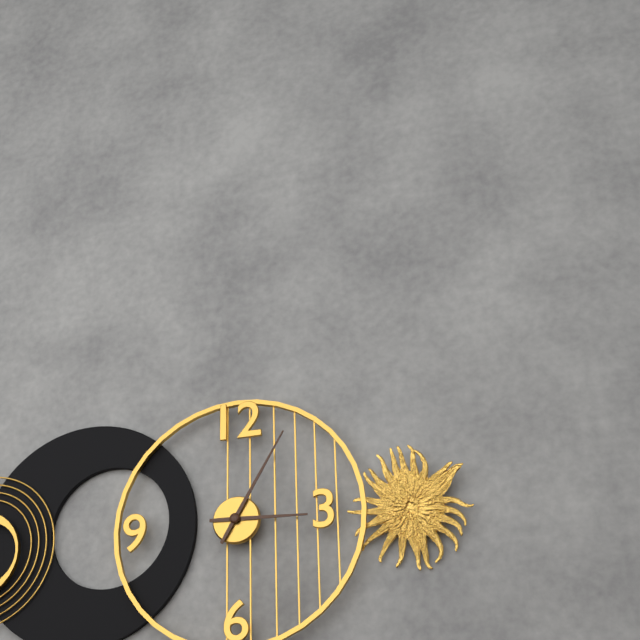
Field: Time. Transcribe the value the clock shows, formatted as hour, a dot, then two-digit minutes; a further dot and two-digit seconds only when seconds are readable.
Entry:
3.05
